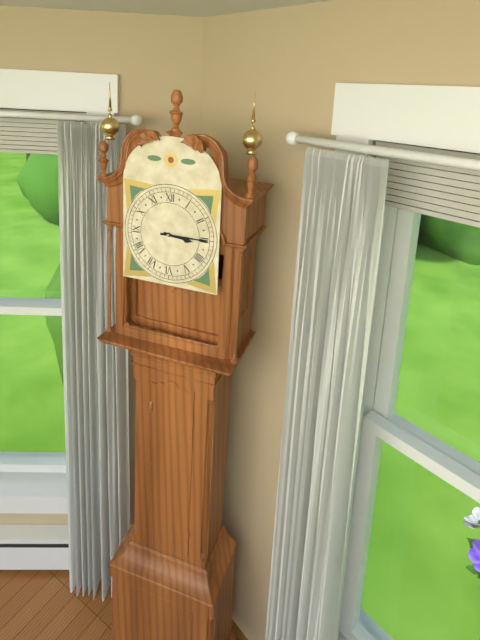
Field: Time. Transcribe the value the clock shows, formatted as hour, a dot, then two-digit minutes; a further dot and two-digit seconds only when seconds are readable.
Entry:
3.15
